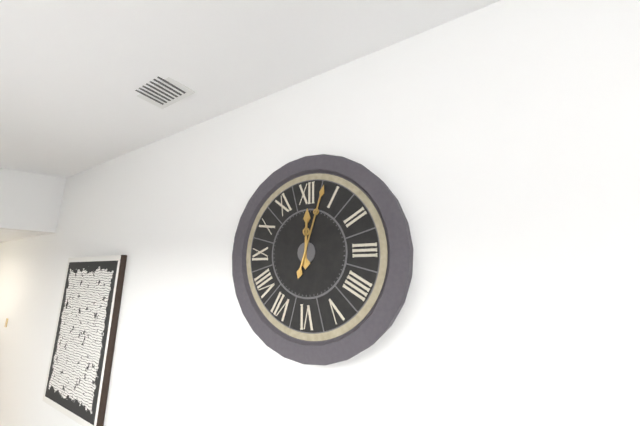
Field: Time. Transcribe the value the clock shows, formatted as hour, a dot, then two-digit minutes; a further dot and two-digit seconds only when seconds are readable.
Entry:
12.03
